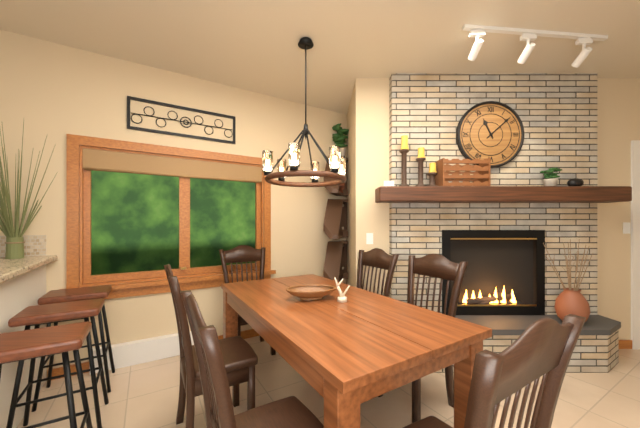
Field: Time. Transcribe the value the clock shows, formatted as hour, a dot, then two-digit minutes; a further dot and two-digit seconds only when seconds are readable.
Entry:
11.08
